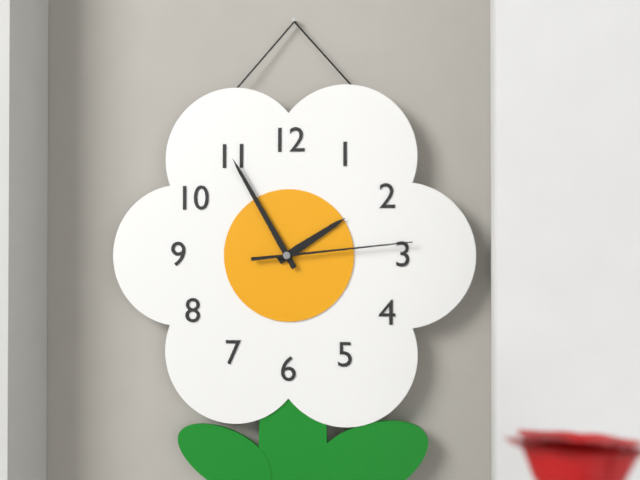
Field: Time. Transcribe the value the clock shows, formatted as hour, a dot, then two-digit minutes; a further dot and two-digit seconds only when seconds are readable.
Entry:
1.55.14
